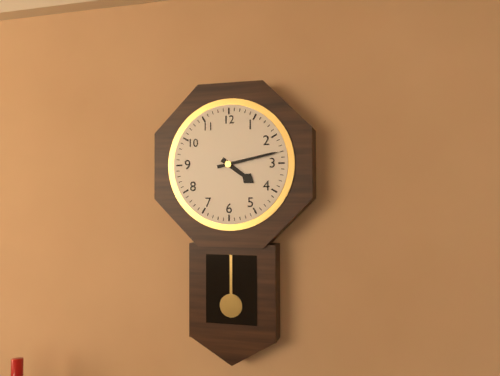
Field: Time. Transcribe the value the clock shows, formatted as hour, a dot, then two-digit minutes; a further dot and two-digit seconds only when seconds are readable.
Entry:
4.13
